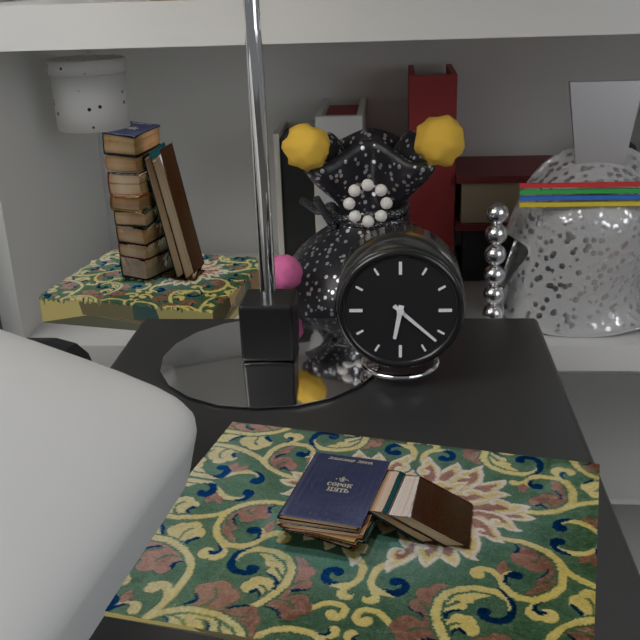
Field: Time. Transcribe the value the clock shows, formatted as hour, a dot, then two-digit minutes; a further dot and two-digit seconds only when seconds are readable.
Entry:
6.22
